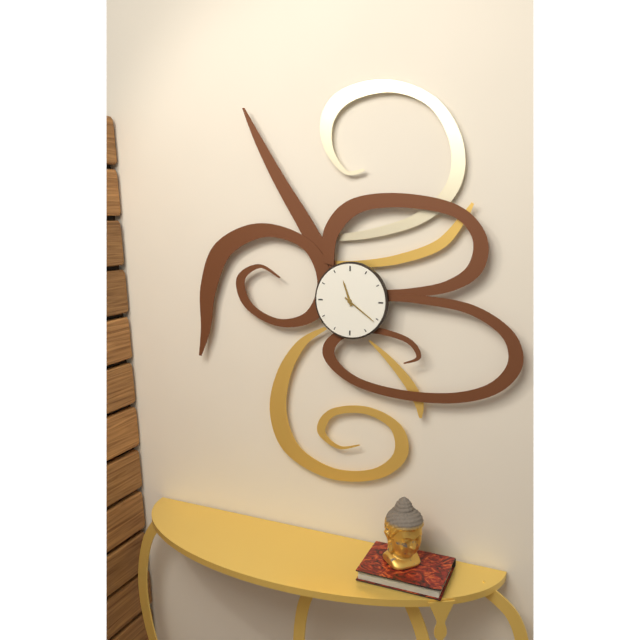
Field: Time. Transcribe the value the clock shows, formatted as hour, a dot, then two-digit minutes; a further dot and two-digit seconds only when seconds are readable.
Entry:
11.21
